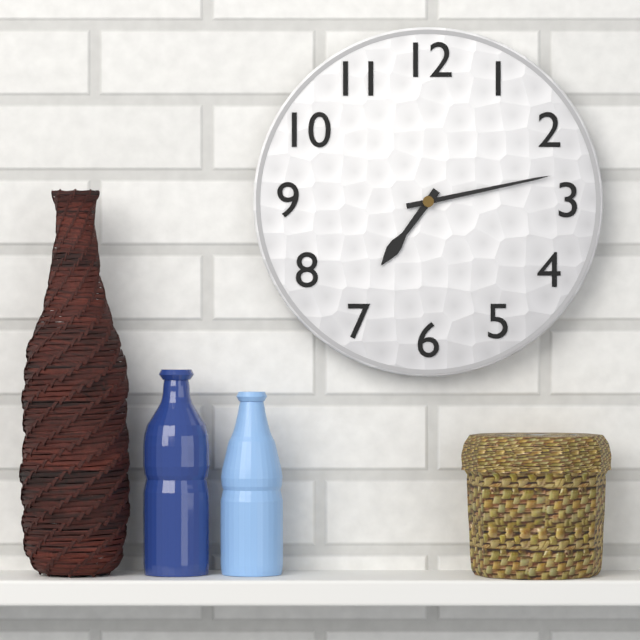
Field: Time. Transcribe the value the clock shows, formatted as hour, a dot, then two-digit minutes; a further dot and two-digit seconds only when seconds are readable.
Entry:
7.13
